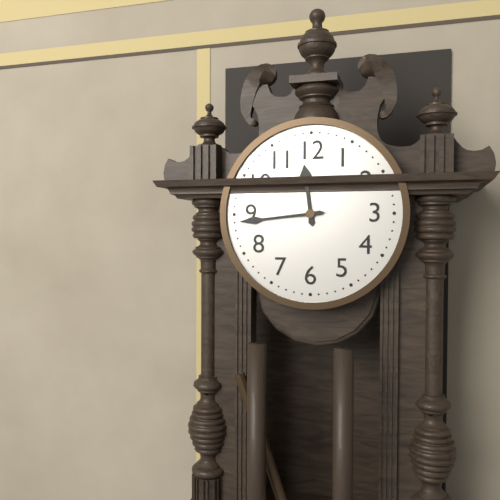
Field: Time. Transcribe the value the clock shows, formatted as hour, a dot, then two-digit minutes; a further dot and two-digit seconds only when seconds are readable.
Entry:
11.44
